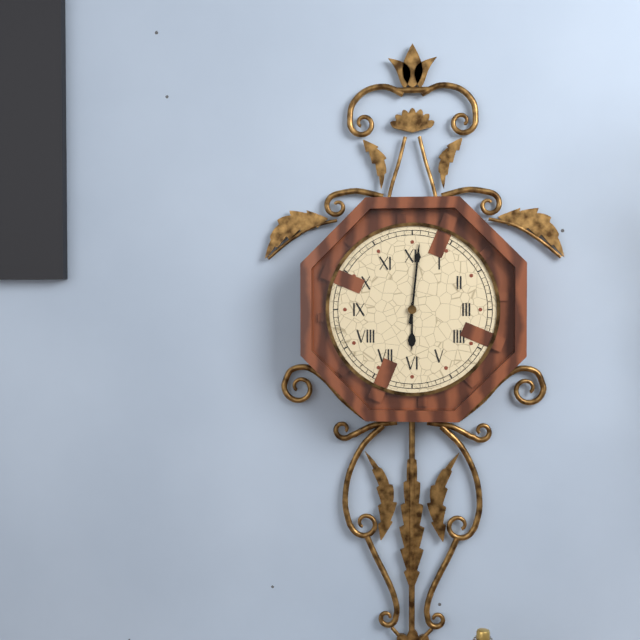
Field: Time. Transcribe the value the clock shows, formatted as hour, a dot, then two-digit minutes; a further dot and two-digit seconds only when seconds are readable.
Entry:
6.01
